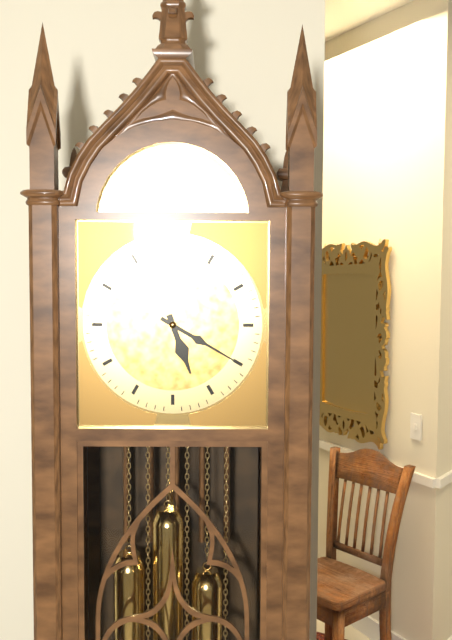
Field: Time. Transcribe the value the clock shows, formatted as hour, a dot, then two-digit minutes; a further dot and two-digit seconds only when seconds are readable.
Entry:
5.20
